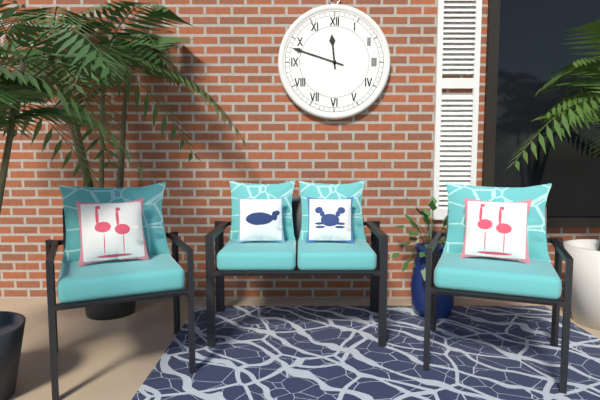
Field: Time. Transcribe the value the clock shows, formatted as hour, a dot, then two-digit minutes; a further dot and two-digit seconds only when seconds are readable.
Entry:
11.48
